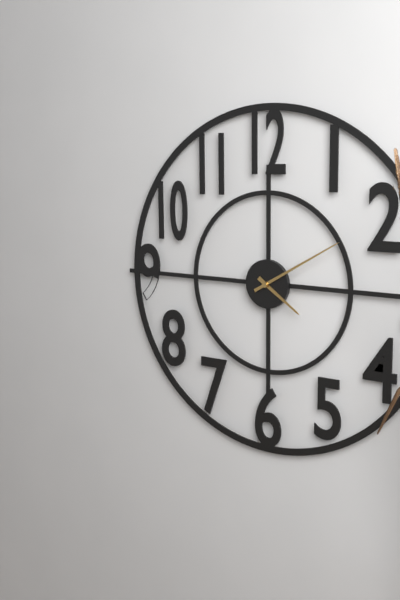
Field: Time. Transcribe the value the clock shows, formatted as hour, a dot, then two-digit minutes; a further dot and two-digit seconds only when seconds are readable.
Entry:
4.10
